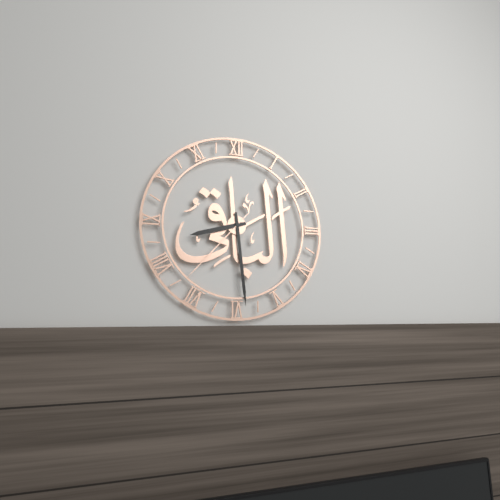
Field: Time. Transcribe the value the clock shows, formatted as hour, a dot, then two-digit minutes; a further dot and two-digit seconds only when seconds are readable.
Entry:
8.29.37
